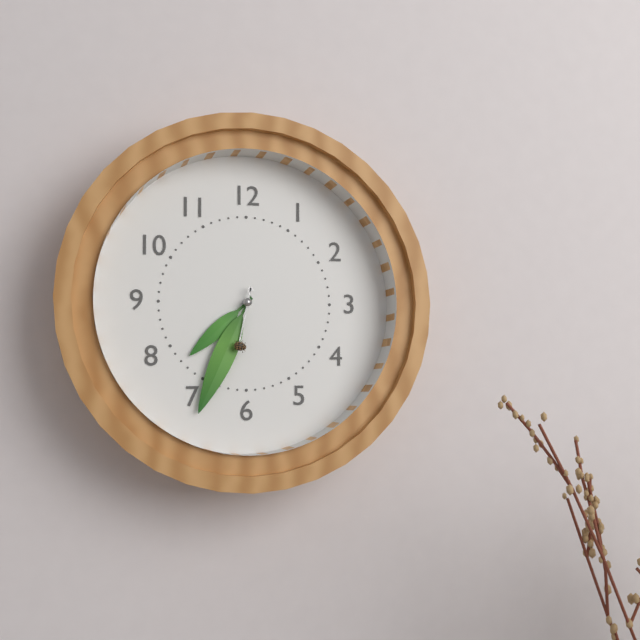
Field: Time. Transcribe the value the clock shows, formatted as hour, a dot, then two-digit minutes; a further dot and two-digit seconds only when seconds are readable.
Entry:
7.34.32
